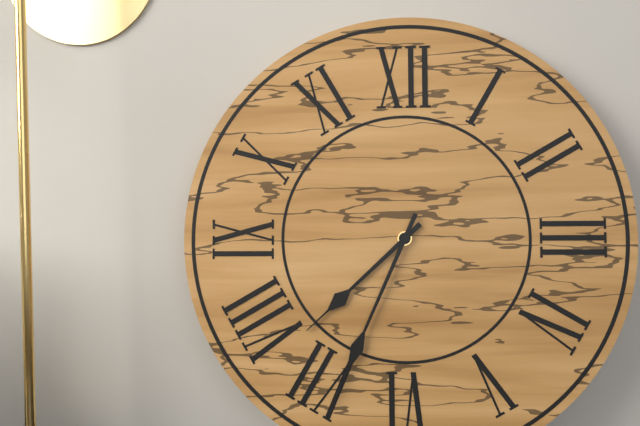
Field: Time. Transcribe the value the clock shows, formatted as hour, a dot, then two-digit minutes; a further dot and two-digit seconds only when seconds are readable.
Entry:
7.34
